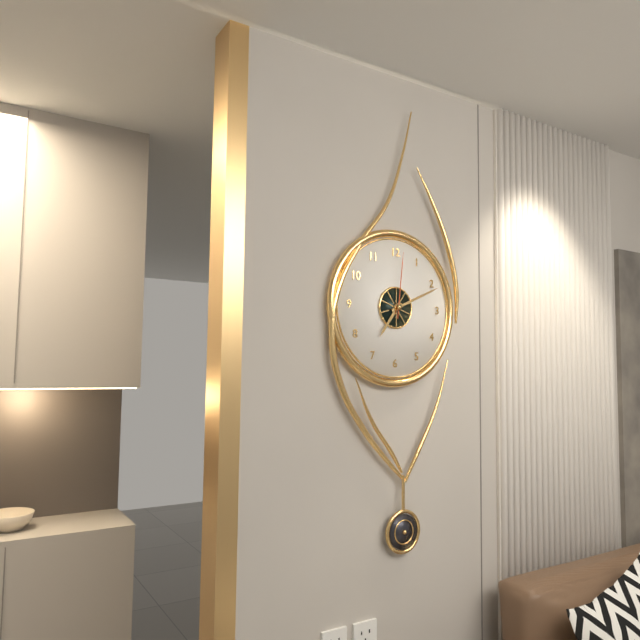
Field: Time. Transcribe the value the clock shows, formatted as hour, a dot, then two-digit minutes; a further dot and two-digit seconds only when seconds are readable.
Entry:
7.11.01
